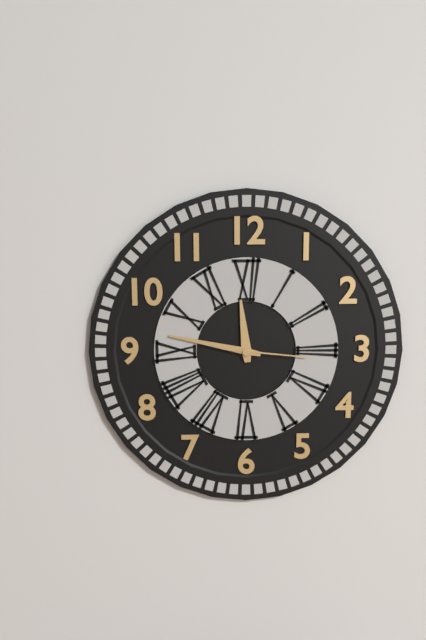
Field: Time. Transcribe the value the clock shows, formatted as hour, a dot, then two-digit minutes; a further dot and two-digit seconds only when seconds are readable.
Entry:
11.47.16
